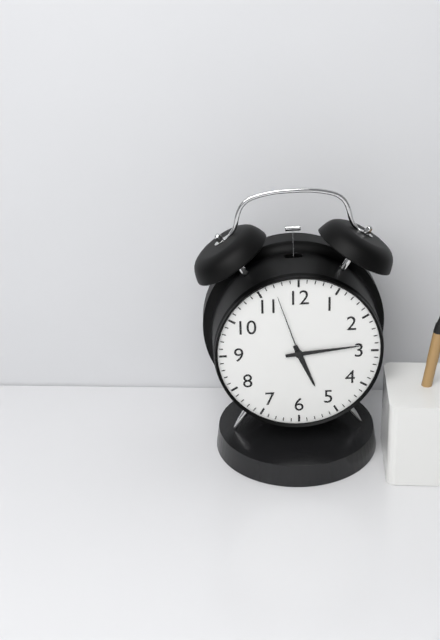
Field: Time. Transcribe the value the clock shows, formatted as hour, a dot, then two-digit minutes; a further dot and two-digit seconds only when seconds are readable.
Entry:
5.14.57
